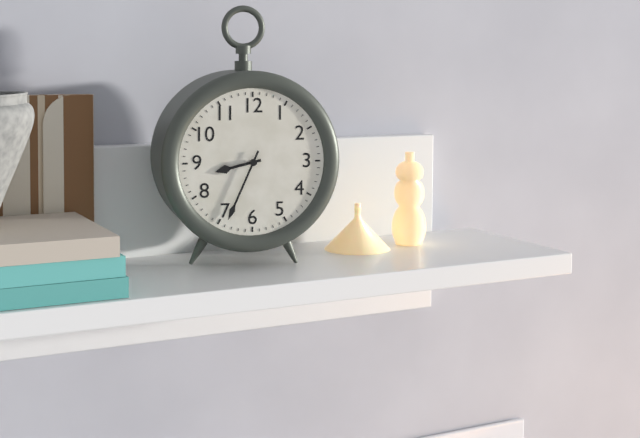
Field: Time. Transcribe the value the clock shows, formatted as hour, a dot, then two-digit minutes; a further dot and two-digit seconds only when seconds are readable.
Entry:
8.34
